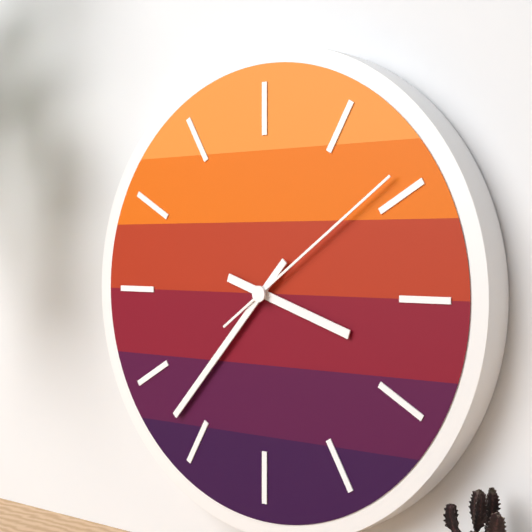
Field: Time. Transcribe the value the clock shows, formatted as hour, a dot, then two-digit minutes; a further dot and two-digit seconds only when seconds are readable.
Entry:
3.37.09
